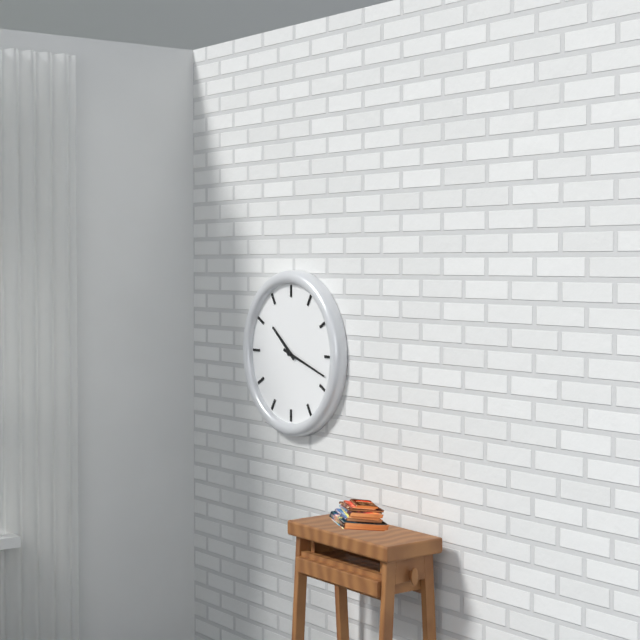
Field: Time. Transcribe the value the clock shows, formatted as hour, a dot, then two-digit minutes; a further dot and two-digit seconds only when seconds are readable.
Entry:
10.18
